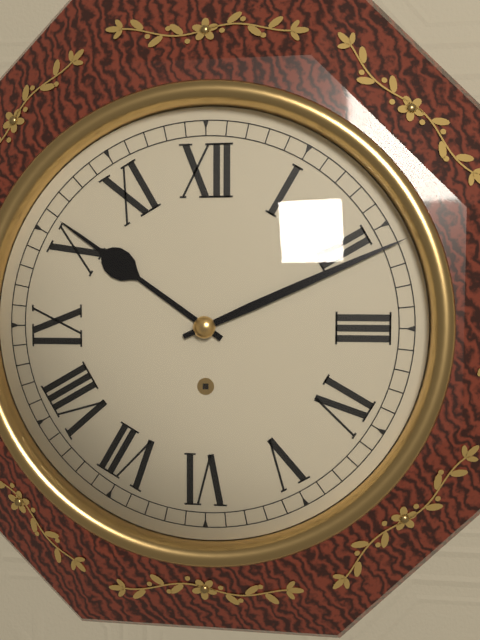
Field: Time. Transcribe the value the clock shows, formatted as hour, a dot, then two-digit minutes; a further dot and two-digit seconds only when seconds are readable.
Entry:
10.11
